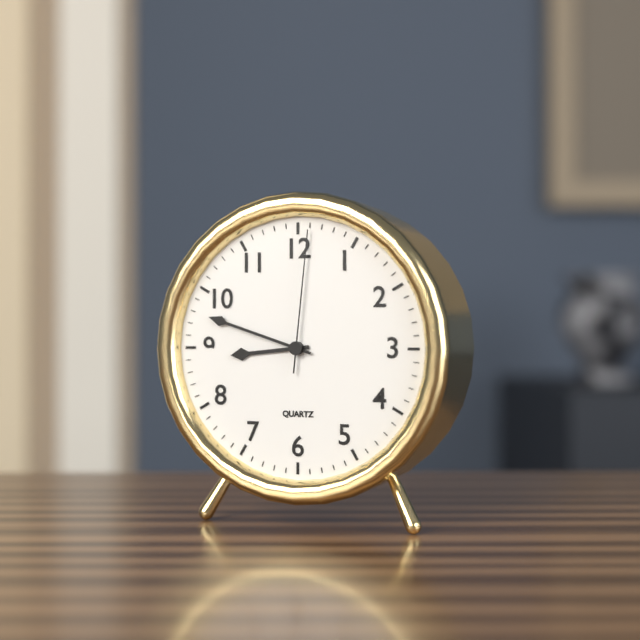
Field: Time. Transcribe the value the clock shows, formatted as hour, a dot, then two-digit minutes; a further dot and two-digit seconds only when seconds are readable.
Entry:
8.48.01
